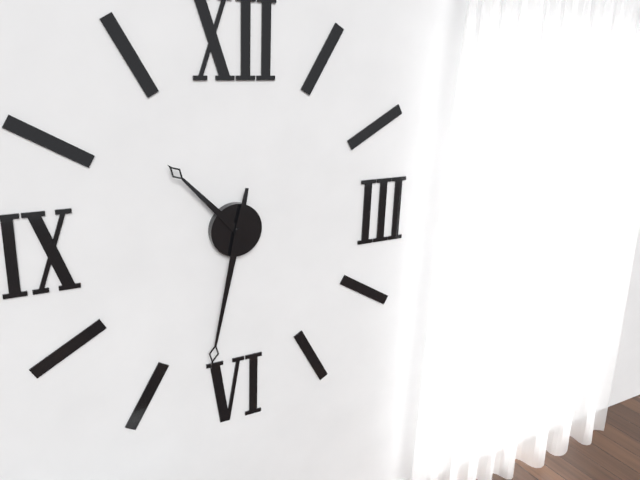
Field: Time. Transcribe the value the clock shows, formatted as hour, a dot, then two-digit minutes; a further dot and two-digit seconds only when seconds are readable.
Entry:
10.32
